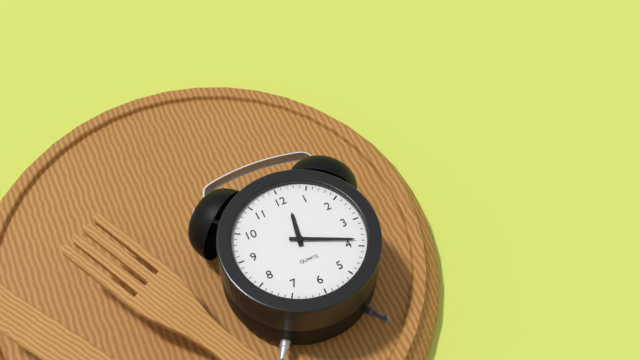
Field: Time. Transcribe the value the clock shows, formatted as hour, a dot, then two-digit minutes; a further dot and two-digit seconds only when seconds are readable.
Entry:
12.19
